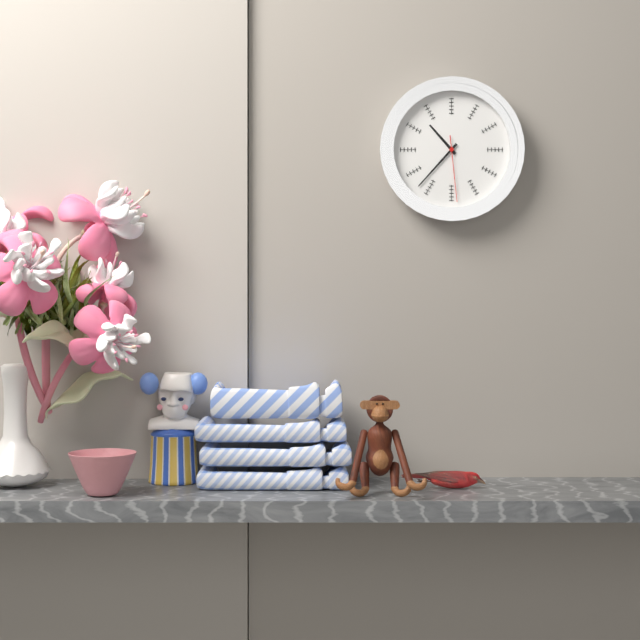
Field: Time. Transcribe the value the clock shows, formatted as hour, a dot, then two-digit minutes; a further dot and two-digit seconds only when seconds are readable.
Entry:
10.37.29
